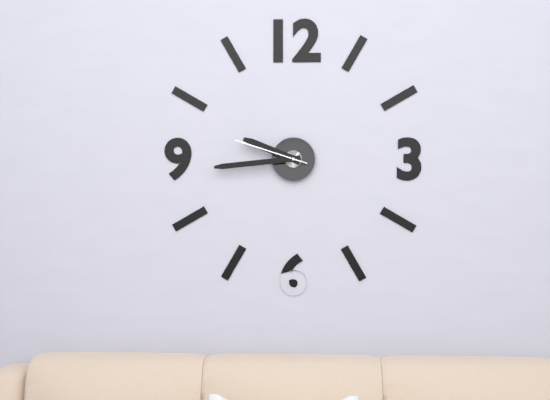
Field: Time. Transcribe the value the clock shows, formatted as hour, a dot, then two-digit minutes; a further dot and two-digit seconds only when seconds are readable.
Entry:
9.44.48
